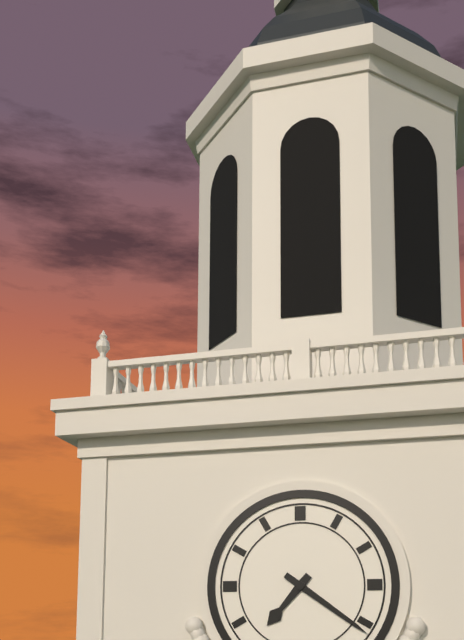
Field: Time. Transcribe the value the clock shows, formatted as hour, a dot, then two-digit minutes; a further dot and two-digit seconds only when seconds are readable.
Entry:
7.21
